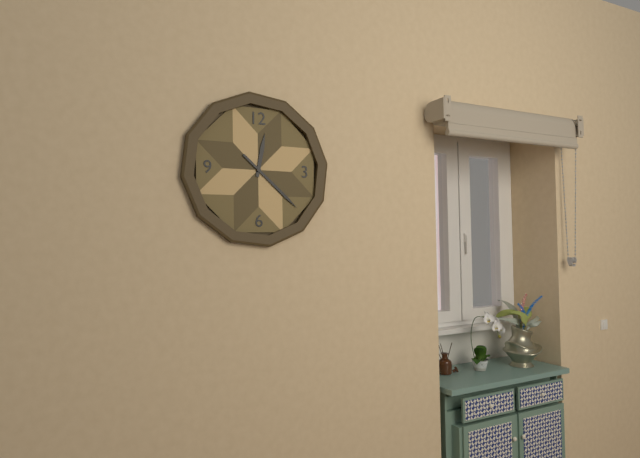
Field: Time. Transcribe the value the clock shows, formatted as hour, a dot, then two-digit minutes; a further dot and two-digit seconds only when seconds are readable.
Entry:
12.22
